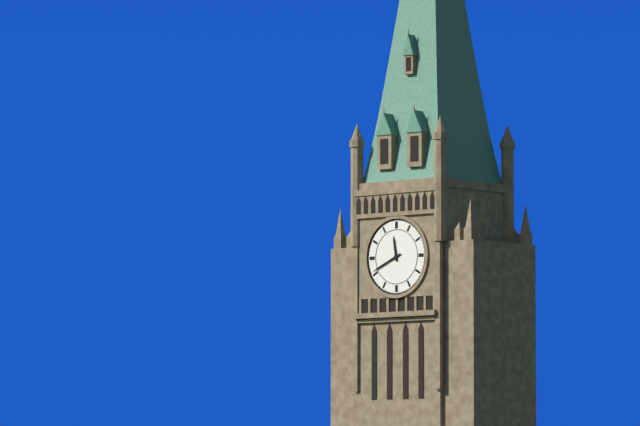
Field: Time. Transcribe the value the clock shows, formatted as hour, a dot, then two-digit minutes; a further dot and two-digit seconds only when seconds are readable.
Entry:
11.41
